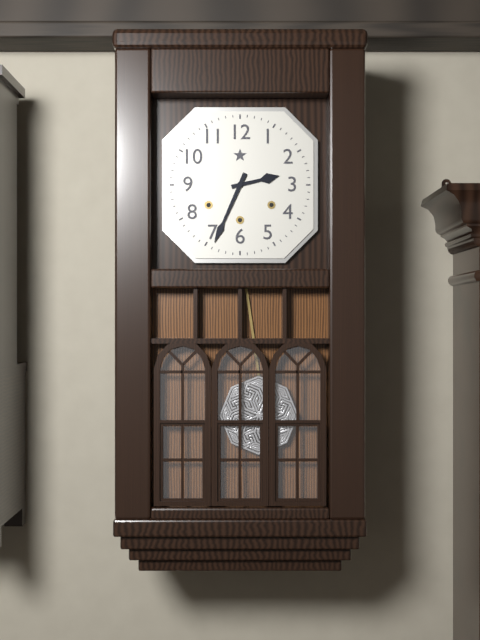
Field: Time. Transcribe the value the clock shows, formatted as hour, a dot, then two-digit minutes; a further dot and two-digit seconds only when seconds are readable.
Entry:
2.34
